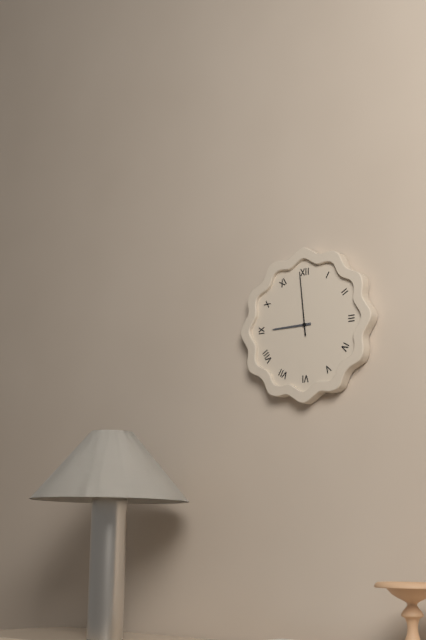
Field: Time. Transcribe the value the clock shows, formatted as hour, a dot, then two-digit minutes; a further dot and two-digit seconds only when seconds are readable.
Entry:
8.59
